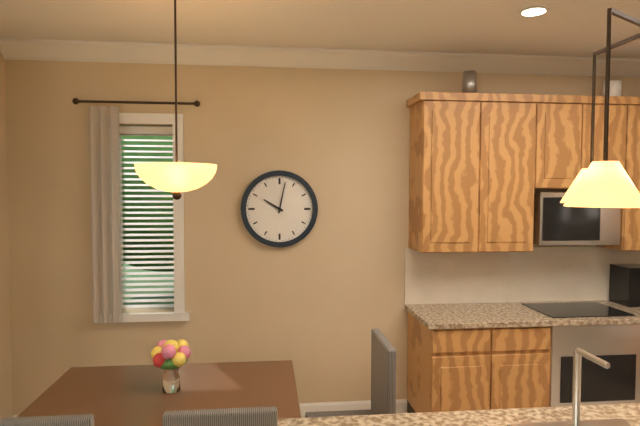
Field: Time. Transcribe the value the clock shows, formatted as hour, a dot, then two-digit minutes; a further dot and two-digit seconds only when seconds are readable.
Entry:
10.02
